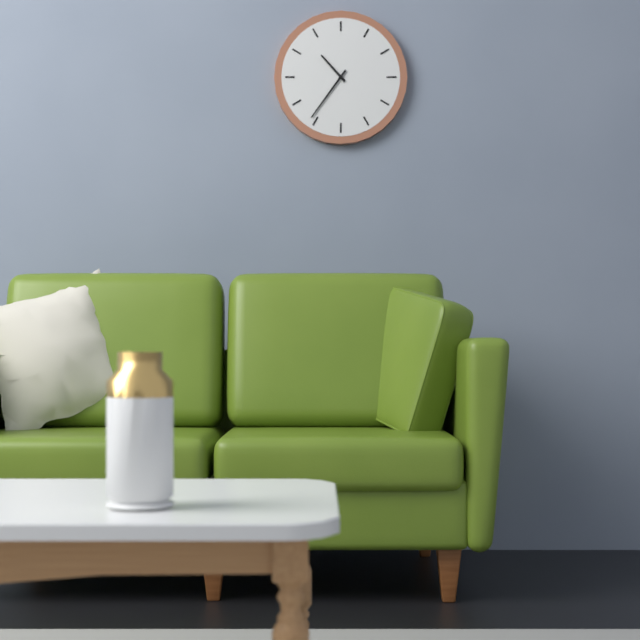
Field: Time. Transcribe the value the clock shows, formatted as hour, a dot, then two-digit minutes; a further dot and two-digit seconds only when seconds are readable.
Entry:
10.36
